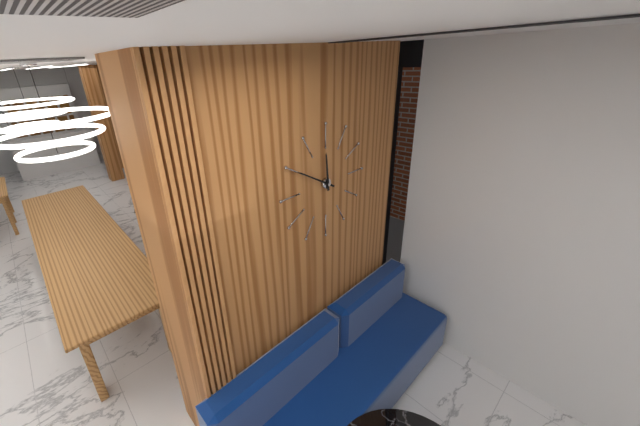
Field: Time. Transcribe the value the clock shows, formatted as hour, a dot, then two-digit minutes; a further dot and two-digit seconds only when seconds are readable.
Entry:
11.50
